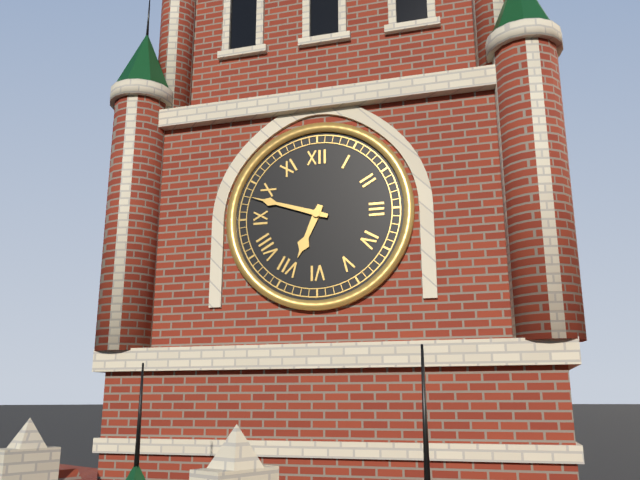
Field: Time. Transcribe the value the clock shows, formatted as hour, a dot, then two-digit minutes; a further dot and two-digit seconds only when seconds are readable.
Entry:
6.48
